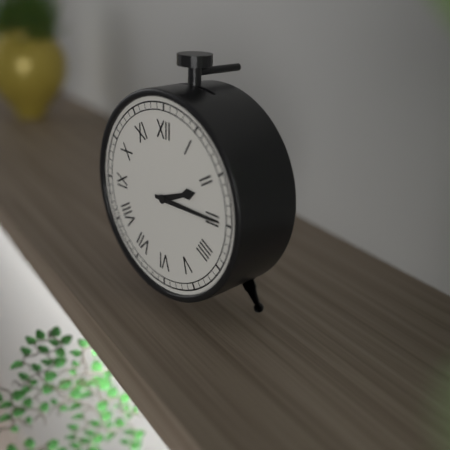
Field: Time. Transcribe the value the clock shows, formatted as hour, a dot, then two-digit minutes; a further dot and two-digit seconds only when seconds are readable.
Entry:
2.15
